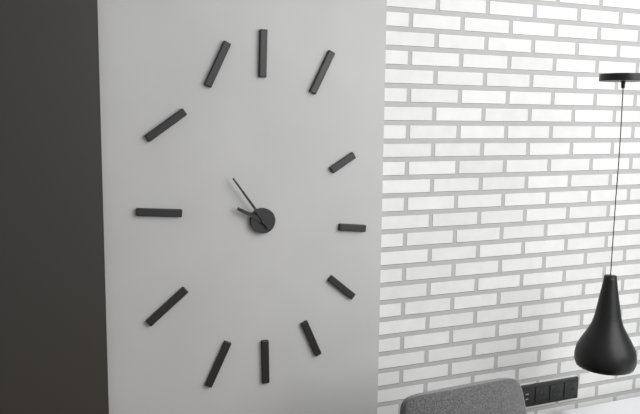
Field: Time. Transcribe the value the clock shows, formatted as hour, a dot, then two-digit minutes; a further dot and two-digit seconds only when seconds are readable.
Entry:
9.54
